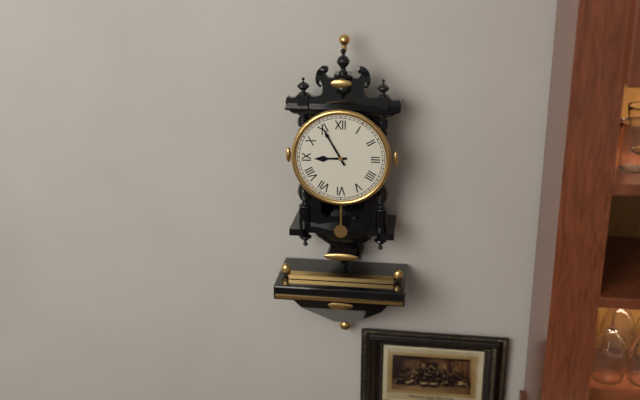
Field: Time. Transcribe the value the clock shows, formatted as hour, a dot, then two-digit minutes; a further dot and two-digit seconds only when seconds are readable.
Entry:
8.55
